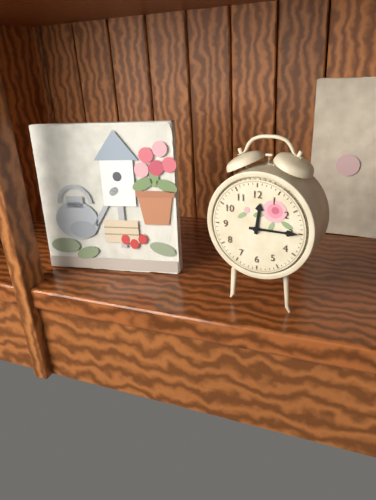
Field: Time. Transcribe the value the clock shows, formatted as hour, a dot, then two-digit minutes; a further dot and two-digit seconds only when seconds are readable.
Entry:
12.15
